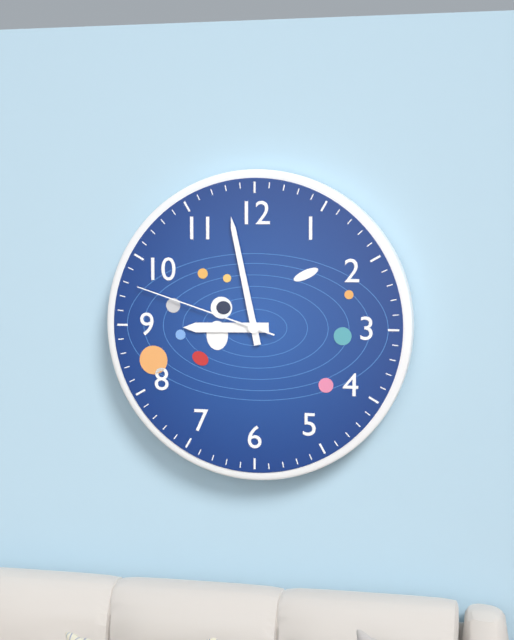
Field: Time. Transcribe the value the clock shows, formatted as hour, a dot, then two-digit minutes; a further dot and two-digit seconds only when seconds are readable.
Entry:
8.58.48
